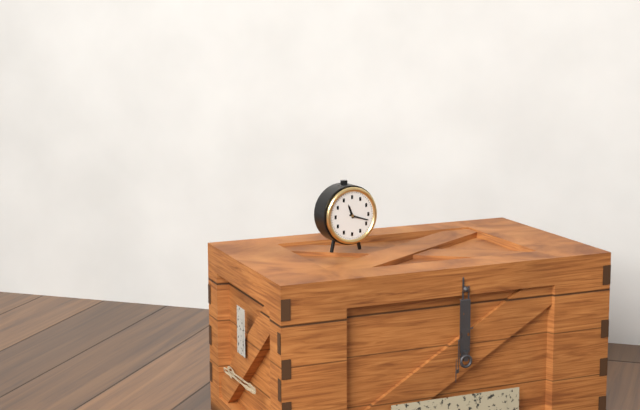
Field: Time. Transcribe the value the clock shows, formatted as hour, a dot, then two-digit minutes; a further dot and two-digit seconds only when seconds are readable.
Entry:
11.18
